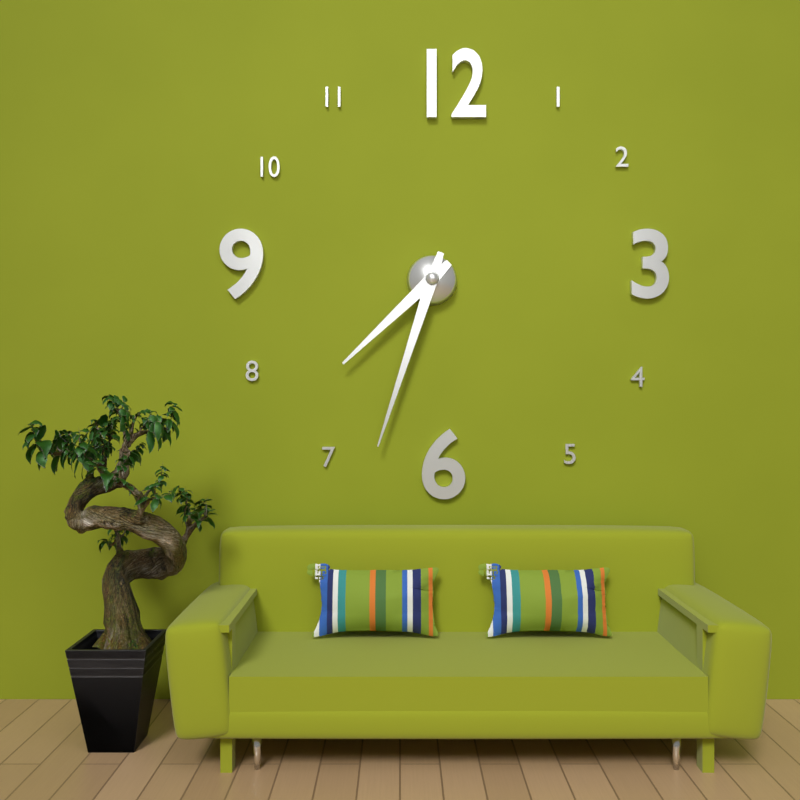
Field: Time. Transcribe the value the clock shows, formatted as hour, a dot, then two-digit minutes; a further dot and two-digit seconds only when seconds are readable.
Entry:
7.33
